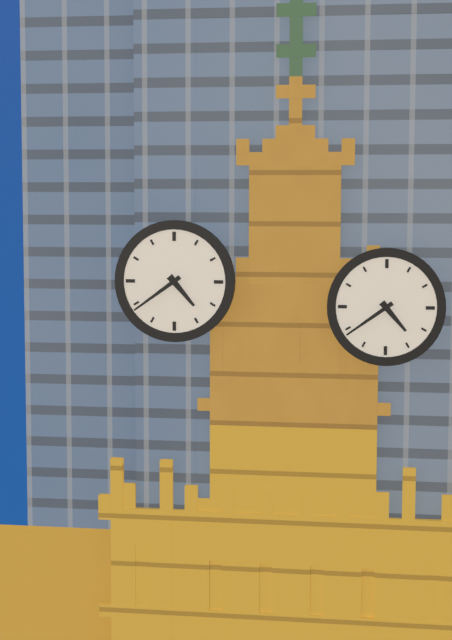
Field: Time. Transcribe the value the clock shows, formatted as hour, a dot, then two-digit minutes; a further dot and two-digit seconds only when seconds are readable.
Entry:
4.39
